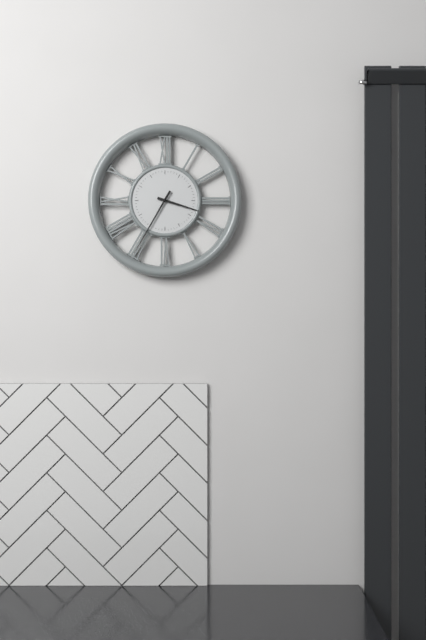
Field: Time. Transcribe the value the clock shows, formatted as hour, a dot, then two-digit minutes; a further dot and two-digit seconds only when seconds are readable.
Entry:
3.35
